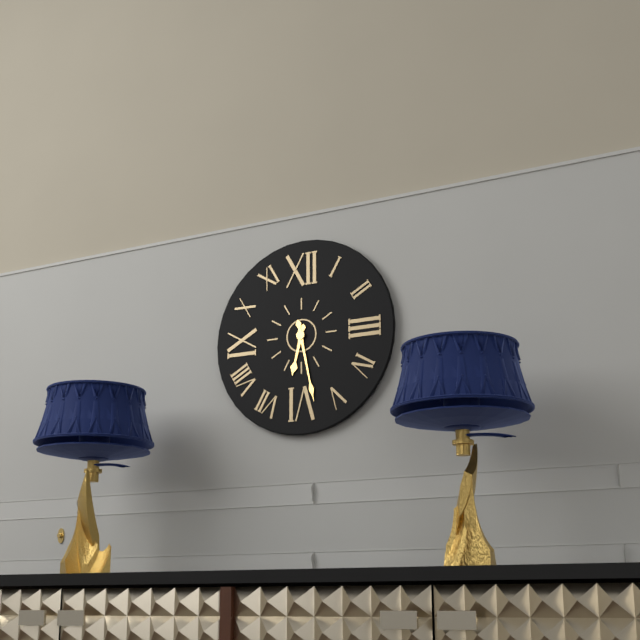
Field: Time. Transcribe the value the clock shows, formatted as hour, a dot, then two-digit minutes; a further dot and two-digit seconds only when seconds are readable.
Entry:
6.28
